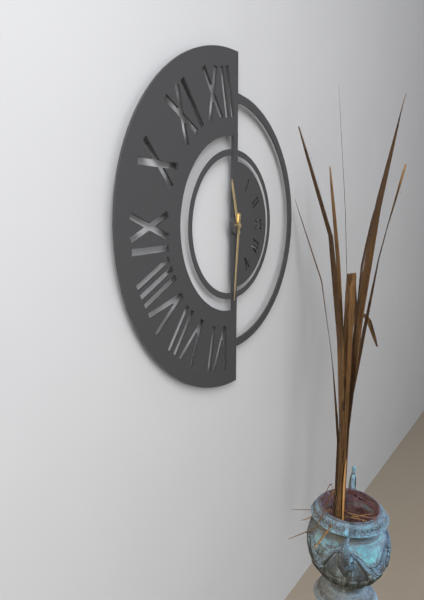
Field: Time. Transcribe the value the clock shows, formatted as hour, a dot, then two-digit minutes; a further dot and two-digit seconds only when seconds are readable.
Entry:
11.31
